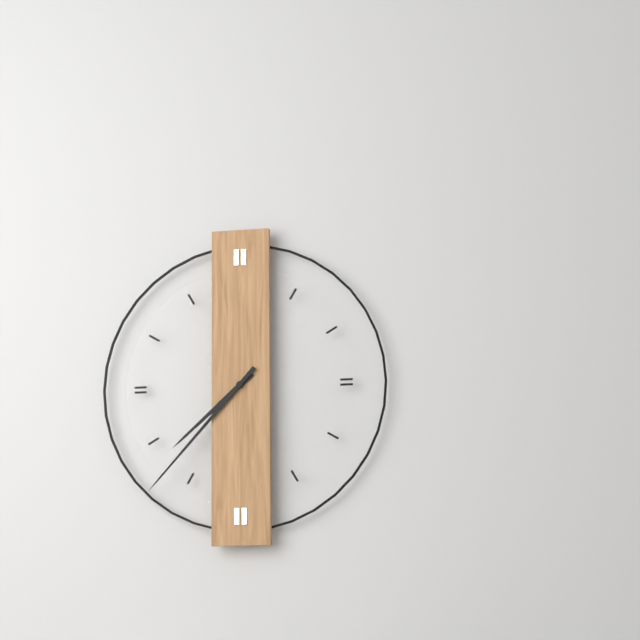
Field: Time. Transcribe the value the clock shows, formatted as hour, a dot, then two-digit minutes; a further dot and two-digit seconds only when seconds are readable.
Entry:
7.37
